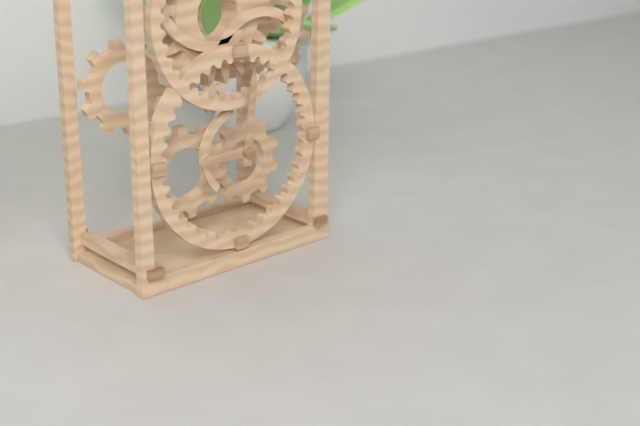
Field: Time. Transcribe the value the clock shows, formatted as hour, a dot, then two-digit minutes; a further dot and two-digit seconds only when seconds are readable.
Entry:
9.01
